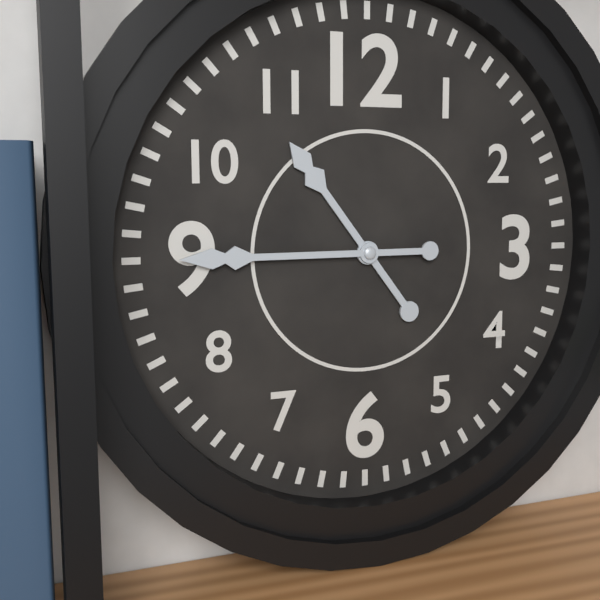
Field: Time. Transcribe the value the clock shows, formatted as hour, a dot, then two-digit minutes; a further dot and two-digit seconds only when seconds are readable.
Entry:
10.45
